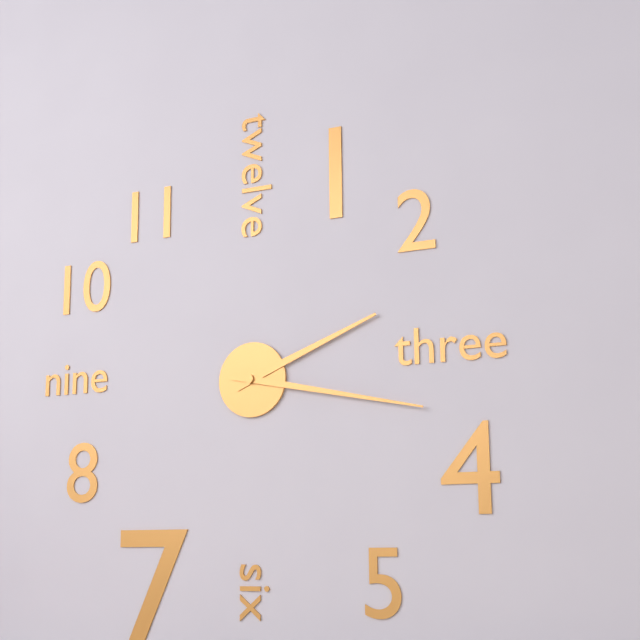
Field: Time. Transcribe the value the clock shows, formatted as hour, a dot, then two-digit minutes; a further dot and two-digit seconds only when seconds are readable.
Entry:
2.17
